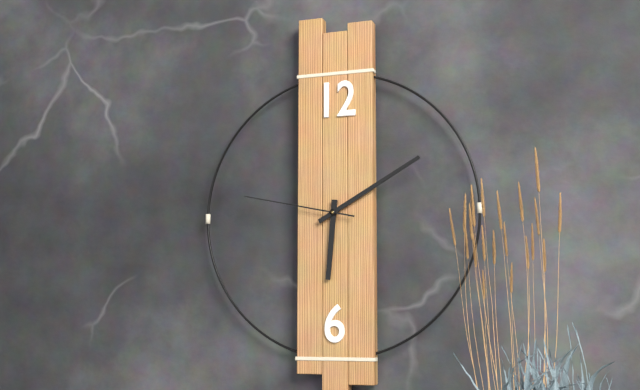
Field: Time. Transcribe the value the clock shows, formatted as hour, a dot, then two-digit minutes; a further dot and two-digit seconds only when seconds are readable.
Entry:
6.10.47
